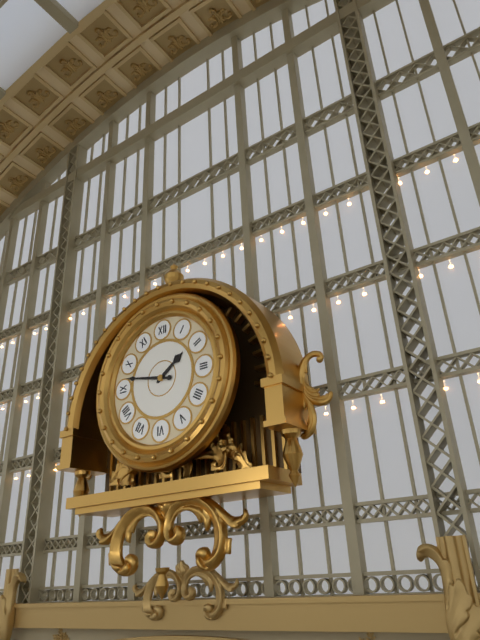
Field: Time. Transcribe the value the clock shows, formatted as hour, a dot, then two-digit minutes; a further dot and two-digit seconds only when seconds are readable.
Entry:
1.47
